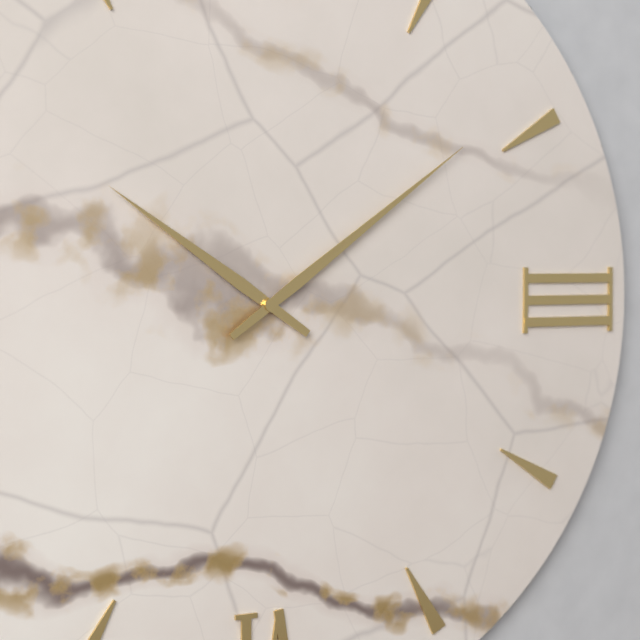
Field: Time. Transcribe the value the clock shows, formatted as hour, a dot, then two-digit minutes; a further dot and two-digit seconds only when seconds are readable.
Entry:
10.09
